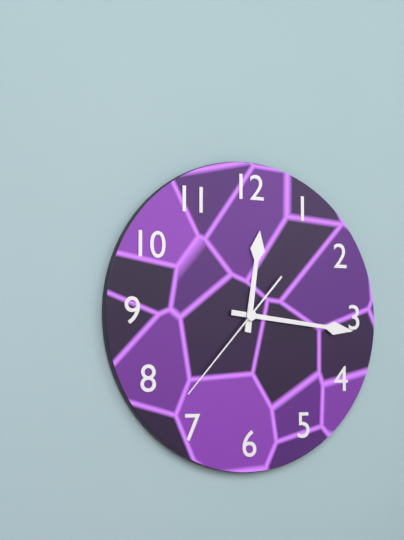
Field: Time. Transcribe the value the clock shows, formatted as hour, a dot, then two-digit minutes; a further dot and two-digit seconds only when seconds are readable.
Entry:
12.16.37
